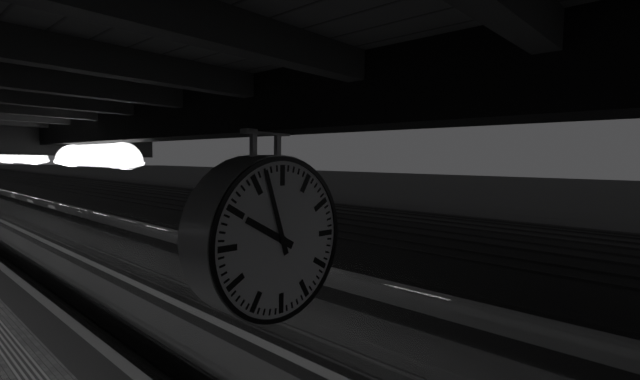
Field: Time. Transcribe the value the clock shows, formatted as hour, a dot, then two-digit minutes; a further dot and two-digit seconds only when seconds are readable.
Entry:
9.57
